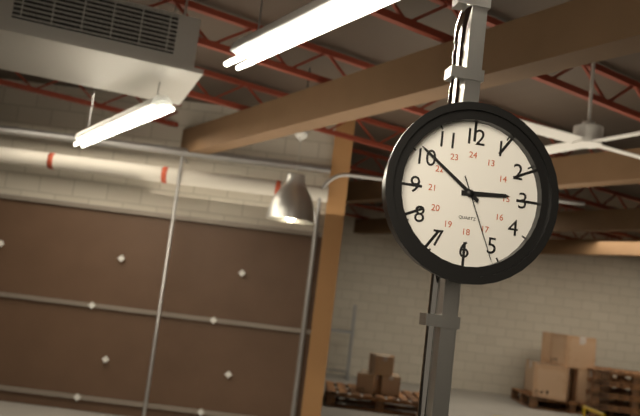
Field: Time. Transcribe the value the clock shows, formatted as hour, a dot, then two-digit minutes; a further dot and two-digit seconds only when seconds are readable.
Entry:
2.51.26
